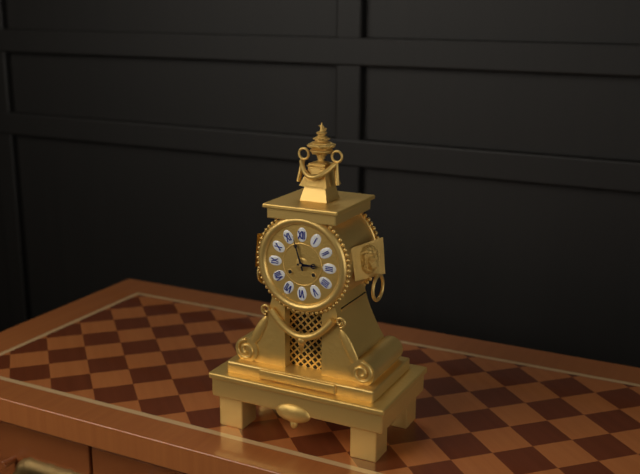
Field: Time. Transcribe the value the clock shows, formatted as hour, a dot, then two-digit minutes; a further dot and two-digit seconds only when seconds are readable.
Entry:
2.57
